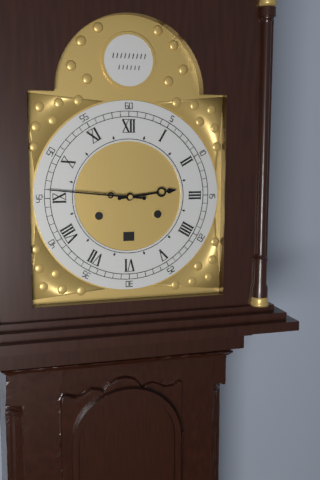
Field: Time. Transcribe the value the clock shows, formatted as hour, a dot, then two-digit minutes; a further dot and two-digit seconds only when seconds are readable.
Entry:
2.46
